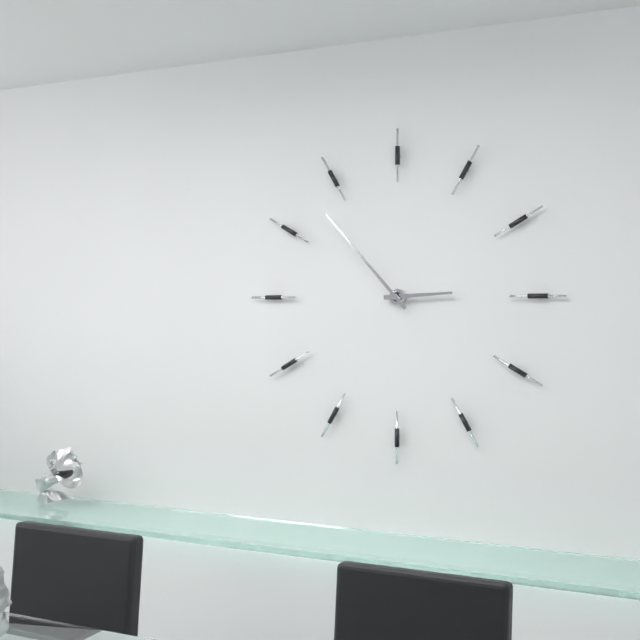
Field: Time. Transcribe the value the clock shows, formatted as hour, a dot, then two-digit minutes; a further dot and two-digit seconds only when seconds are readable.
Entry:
2.53
